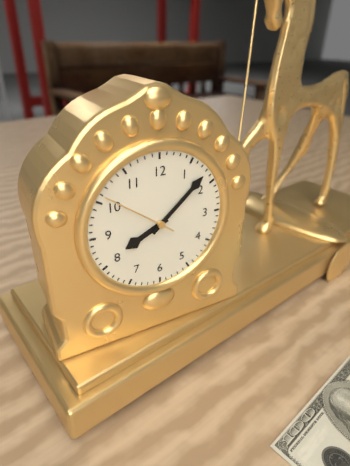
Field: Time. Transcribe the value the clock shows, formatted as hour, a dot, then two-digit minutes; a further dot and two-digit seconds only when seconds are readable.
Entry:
8.08.51
